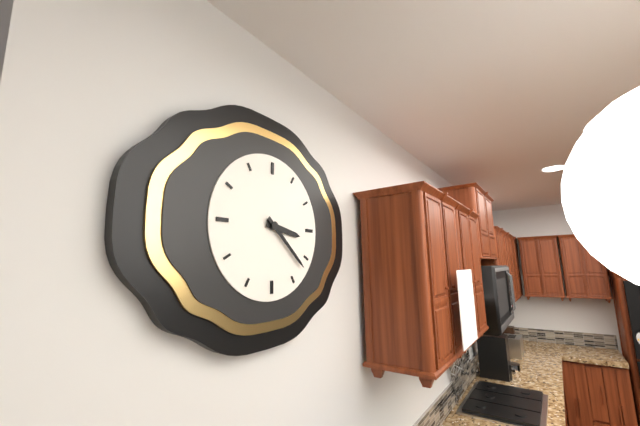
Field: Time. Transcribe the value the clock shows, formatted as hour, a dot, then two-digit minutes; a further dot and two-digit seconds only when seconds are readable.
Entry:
3.22
